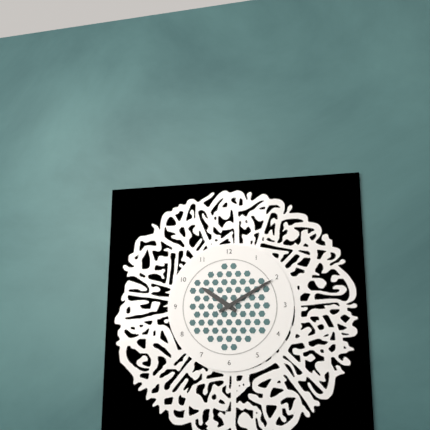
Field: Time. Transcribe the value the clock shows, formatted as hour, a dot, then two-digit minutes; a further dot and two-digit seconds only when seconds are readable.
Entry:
10.10
